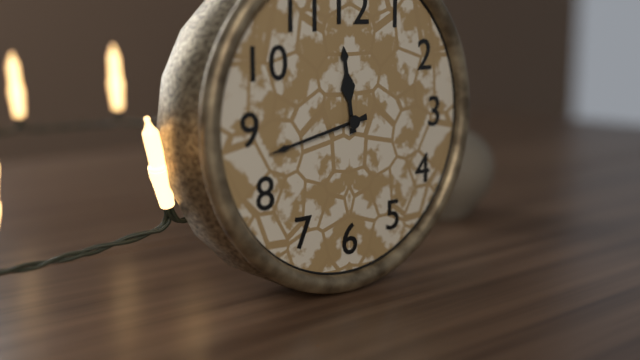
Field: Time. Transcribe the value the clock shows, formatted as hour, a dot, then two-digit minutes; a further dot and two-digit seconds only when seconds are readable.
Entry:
11.43
